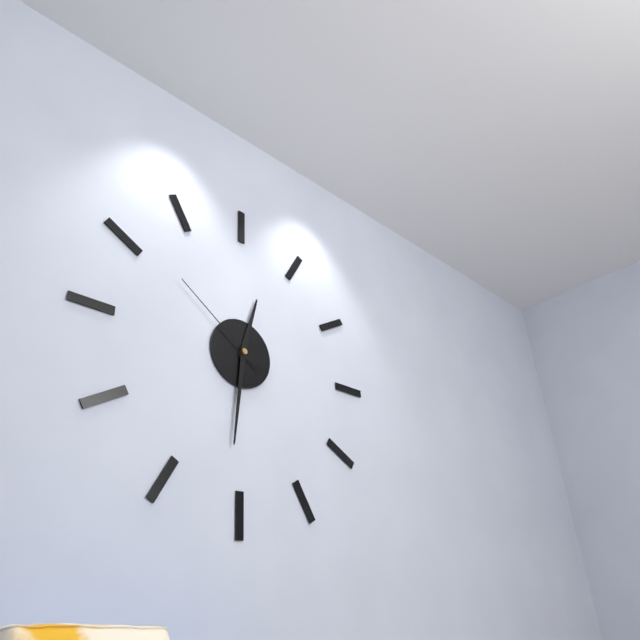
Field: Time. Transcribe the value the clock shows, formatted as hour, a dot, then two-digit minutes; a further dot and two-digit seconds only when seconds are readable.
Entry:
12.31.51
